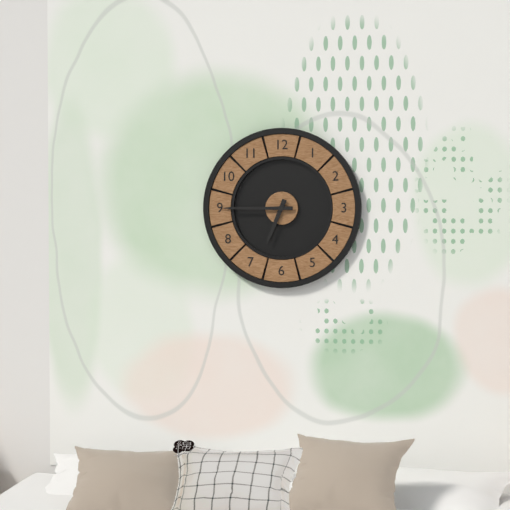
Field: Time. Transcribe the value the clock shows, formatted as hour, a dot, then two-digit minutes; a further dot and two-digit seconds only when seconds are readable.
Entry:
6.45
